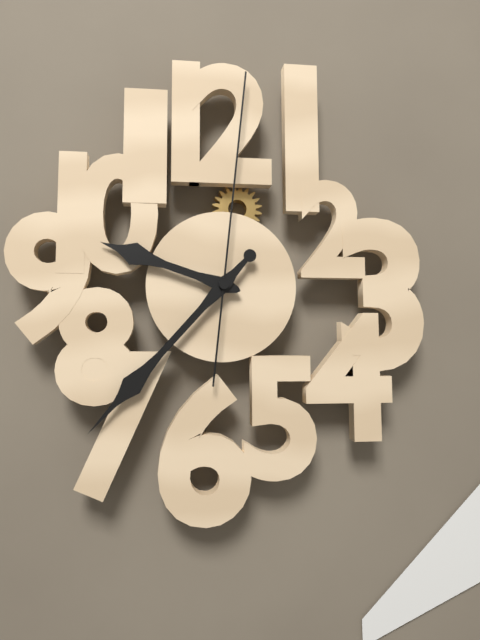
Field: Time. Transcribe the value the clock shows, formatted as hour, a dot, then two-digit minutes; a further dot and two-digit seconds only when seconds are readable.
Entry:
9.37.01
